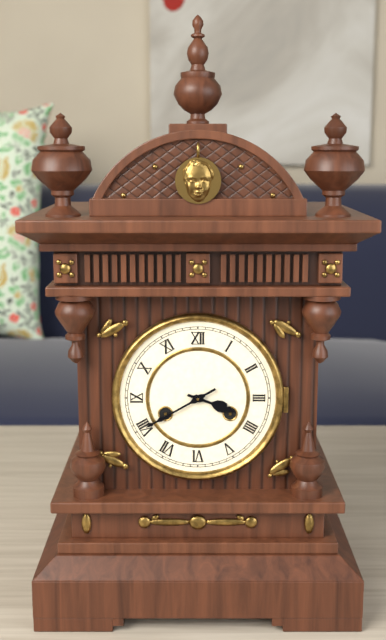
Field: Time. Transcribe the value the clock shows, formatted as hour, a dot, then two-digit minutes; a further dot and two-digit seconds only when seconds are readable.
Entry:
3.40
